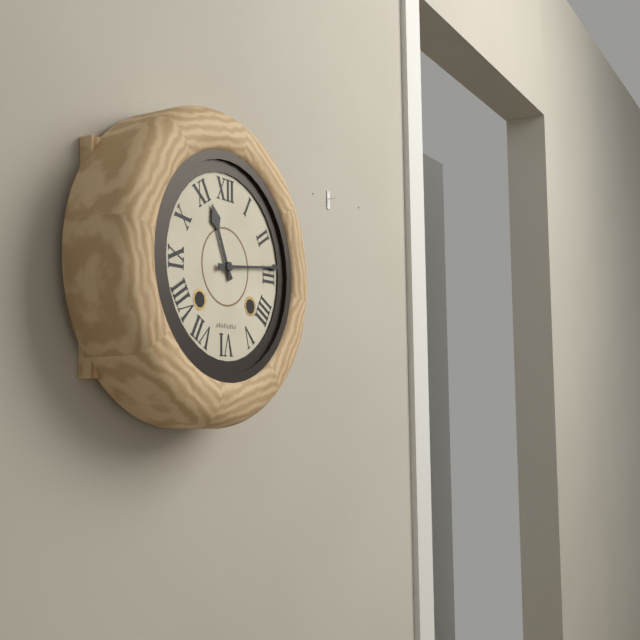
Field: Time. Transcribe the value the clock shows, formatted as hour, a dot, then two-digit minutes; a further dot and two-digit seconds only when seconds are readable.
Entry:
11.14
